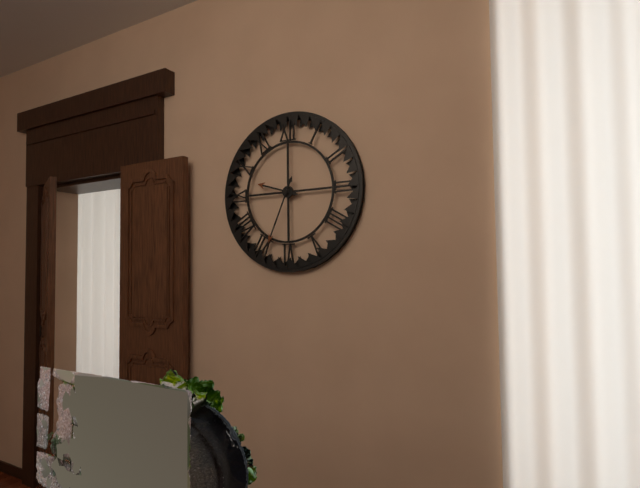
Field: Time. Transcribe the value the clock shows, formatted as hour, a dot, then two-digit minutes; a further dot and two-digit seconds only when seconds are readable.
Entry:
9.34
